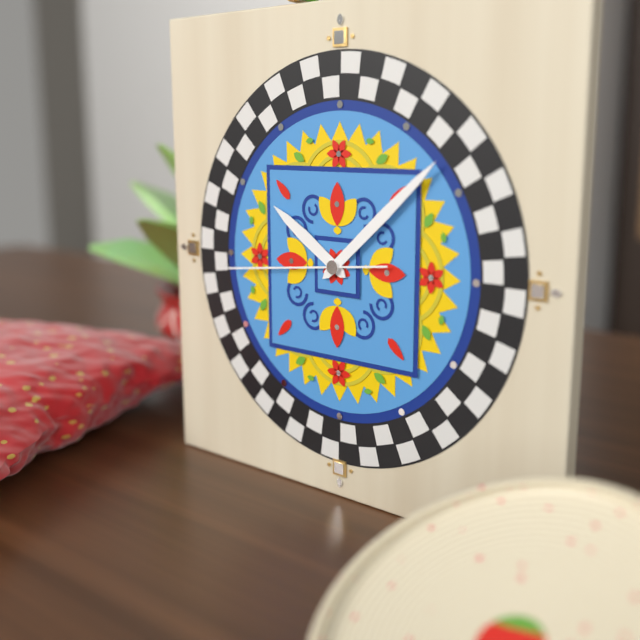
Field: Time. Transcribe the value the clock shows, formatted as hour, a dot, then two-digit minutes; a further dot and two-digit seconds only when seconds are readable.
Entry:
10.08.44
